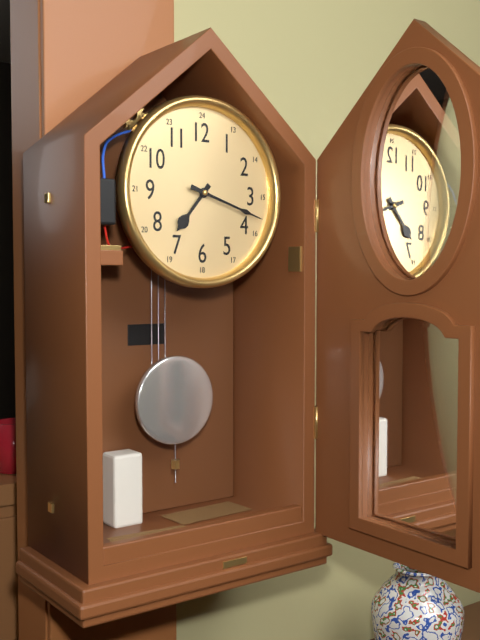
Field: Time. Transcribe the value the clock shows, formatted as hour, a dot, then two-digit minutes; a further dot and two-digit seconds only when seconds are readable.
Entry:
7.18
